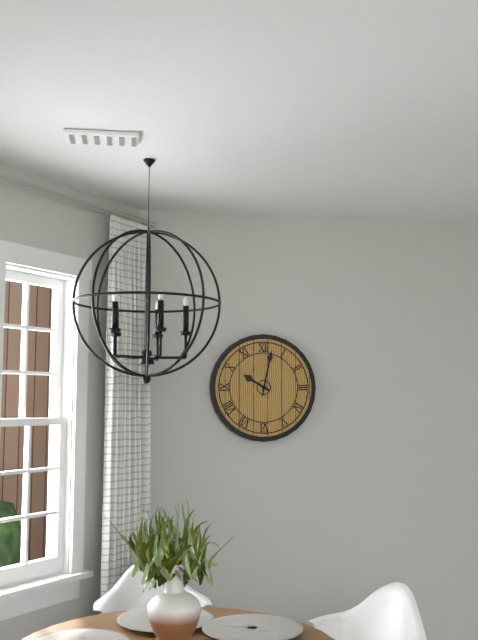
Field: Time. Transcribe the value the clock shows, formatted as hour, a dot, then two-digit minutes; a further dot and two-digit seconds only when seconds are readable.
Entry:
10.02
